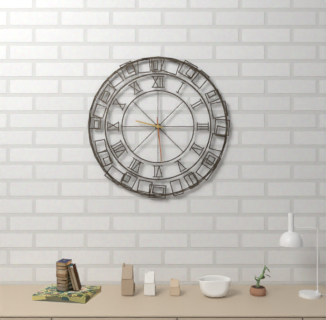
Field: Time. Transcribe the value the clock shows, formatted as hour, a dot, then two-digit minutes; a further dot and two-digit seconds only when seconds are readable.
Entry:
9.29
